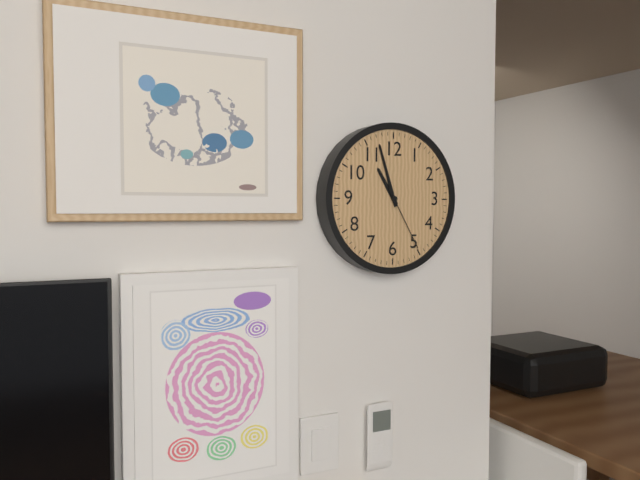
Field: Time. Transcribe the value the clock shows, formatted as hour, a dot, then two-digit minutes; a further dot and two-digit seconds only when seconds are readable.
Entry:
10.57.25
